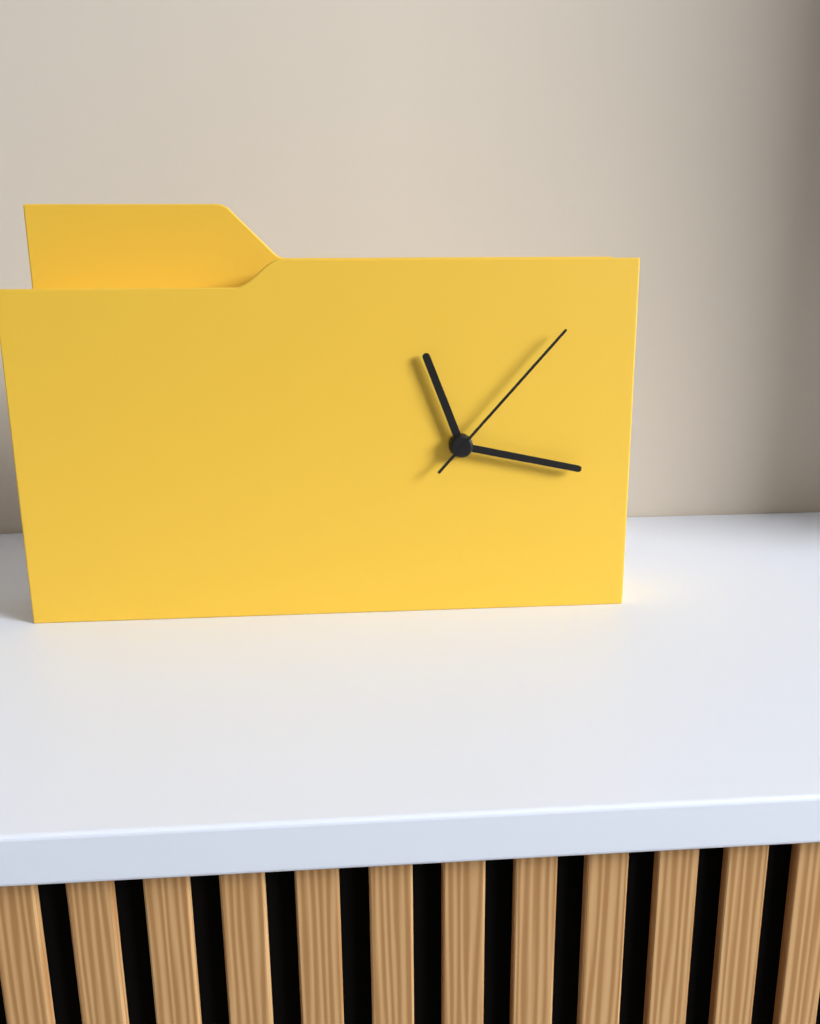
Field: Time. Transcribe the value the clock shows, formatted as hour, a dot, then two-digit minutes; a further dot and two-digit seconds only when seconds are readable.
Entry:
11.17.07
